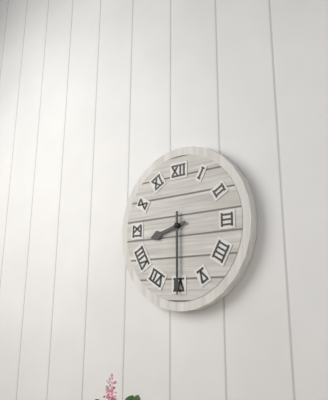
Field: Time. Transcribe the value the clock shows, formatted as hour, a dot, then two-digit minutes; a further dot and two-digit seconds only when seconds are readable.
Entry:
8.30
